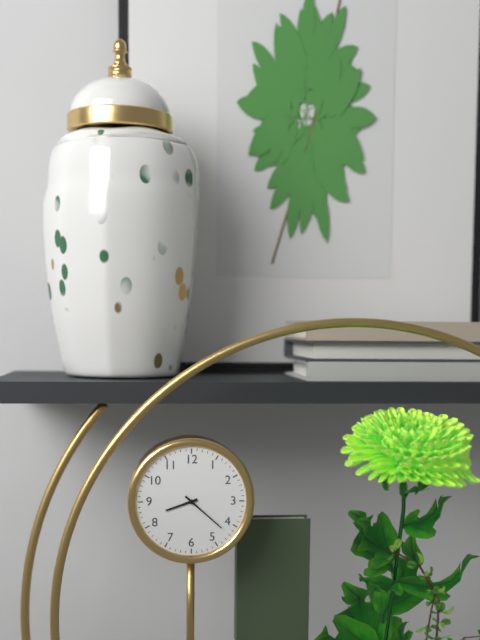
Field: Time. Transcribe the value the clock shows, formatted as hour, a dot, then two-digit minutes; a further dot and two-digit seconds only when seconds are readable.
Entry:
8.22
